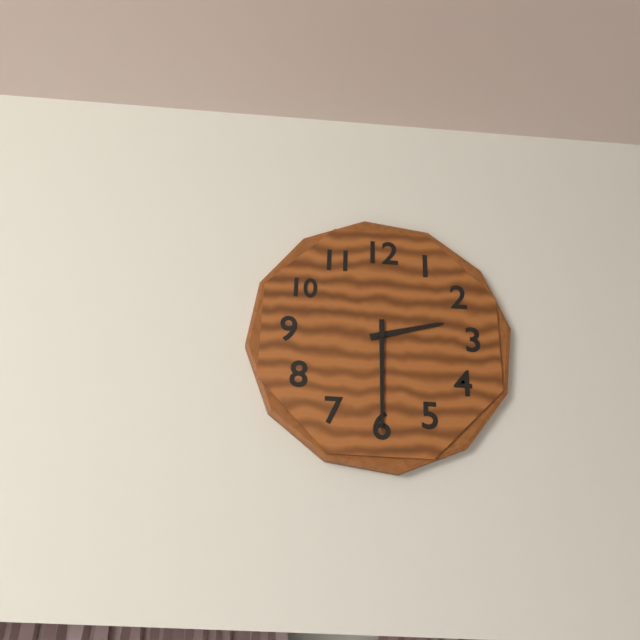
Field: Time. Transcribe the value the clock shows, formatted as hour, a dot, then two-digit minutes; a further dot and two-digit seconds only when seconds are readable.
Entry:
2.30
